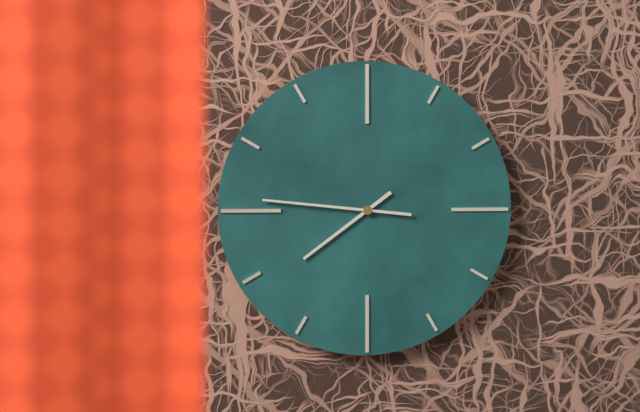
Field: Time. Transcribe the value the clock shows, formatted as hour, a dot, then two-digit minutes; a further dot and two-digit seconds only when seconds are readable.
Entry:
7.46
